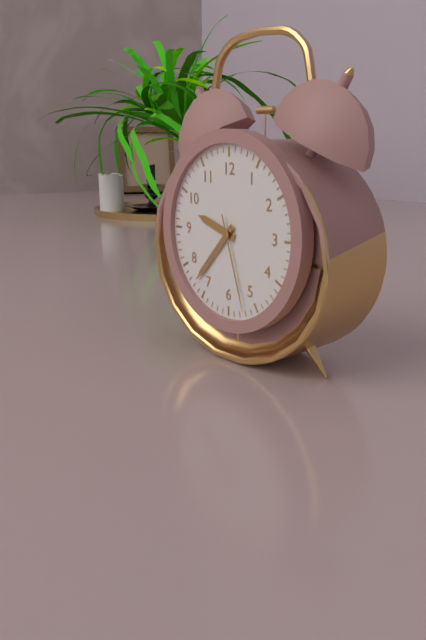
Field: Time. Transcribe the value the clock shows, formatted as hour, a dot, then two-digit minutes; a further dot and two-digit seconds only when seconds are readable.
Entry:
9.37.27
